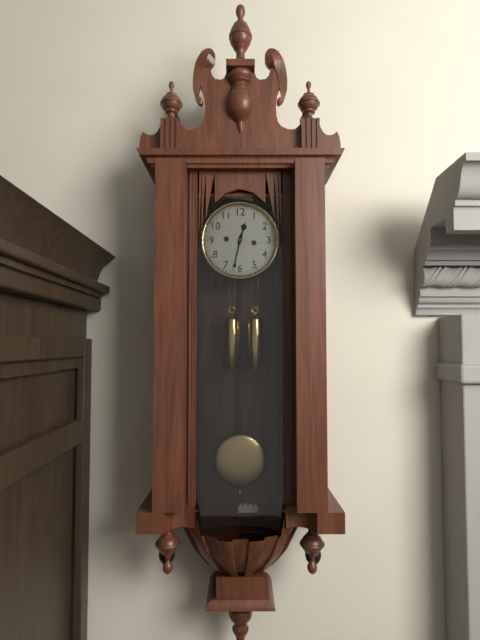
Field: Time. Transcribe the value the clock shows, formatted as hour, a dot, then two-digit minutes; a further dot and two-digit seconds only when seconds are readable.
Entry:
12.32
